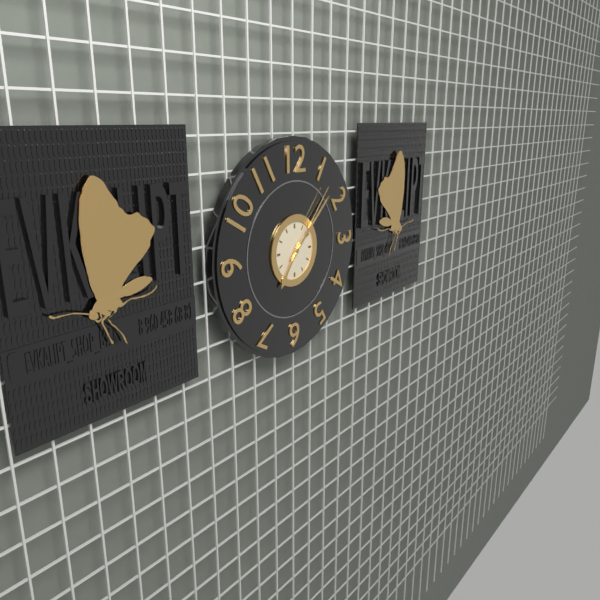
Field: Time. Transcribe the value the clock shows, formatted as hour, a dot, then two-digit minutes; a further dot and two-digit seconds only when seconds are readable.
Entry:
7.08.07
